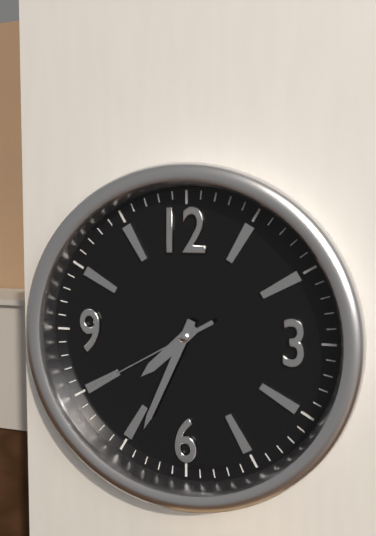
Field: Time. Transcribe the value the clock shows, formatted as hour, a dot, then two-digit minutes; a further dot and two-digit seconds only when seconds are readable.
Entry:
7.34.40
